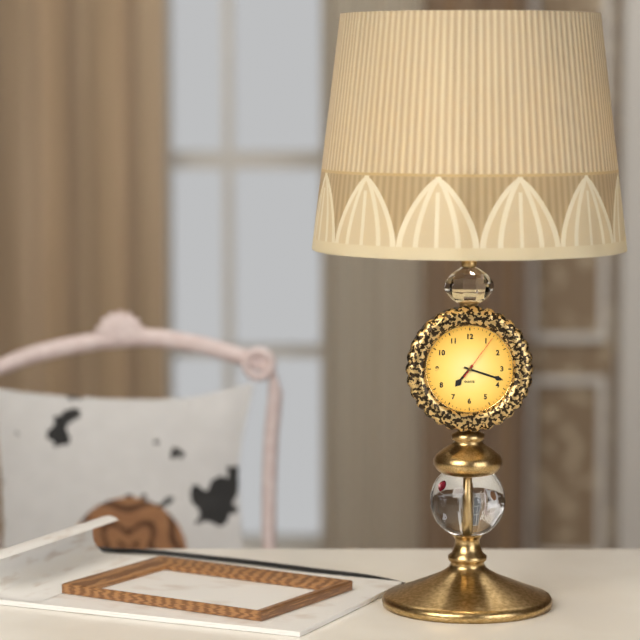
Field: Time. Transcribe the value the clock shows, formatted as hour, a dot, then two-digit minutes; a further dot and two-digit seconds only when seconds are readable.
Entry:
7.18
